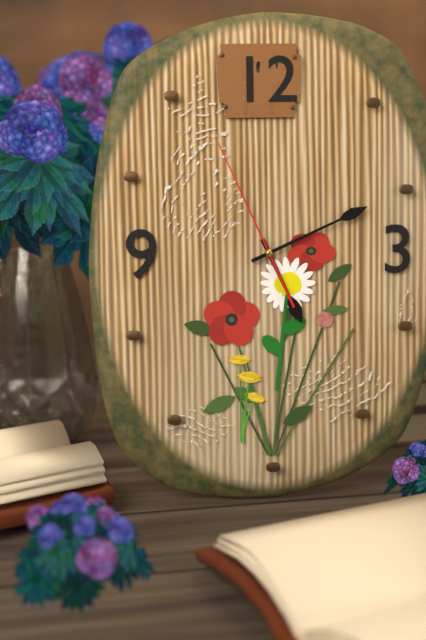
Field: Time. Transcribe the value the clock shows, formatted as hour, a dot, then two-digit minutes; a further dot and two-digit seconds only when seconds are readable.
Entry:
5.11.56
